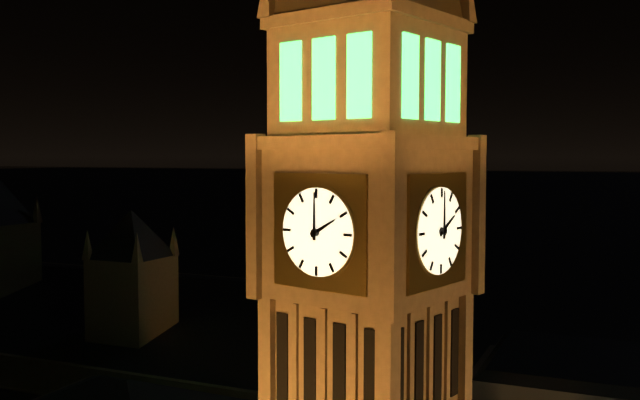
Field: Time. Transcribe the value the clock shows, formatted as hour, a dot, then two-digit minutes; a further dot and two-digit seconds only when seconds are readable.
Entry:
2.00
